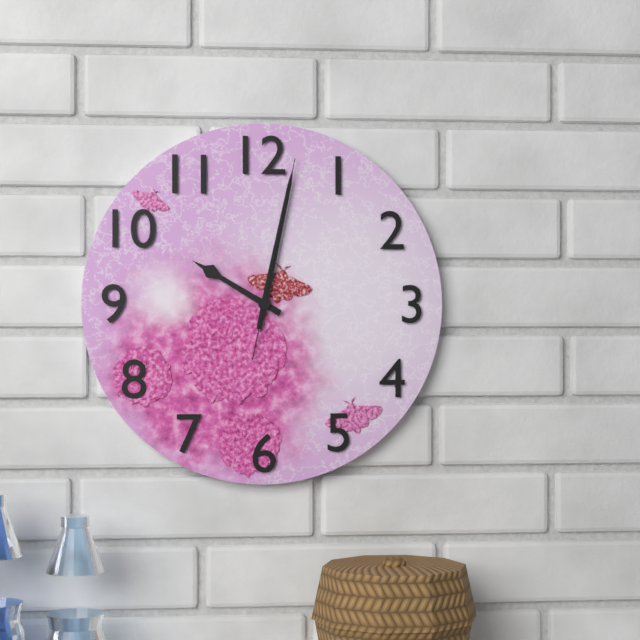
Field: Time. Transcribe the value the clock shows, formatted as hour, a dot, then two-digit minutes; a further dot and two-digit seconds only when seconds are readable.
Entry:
10.02.02
